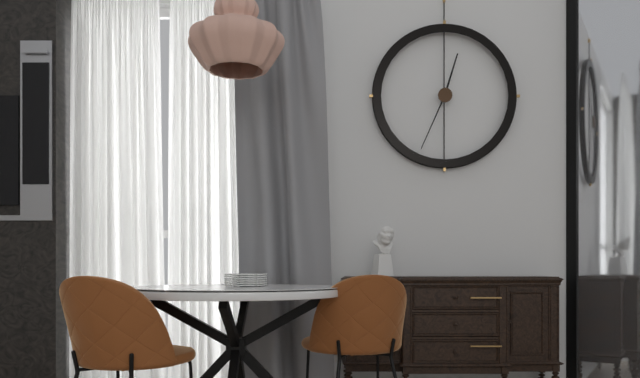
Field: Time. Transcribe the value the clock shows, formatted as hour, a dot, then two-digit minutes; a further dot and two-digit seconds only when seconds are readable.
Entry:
12.34
